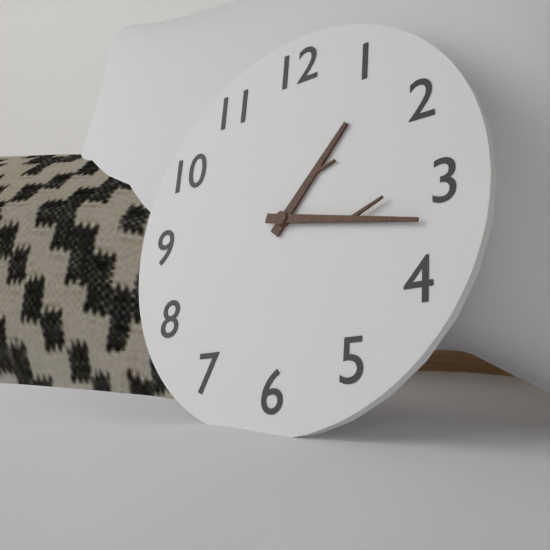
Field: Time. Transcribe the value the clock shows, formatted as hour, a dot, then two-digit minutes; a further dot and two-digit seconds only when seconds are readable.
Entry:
1.17
